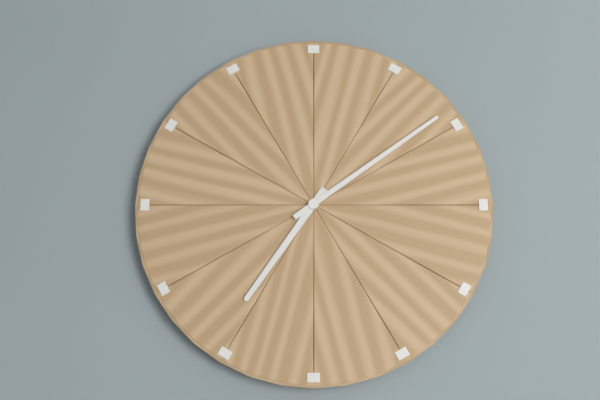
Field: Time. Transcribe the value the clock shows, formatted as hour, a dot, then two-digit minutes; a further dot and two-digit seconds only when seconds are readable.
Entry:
7.09
